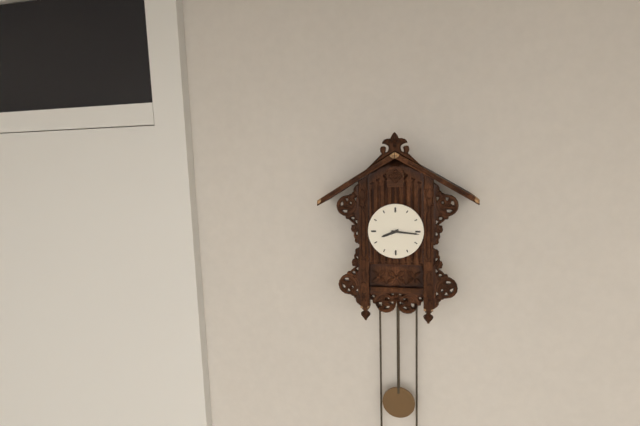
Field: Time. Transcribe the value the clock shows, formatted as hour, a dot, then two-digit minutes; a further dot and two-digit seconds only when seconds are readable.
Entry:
8.16
